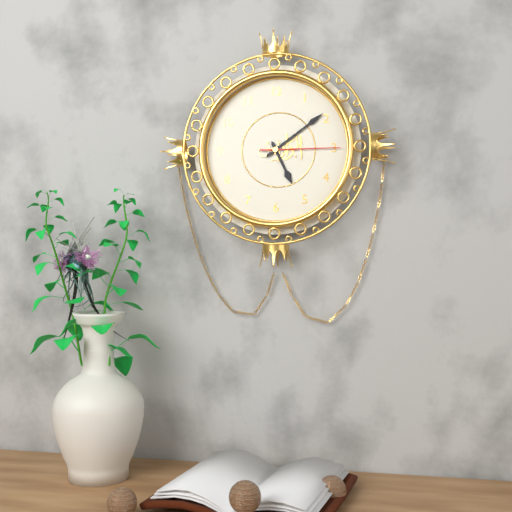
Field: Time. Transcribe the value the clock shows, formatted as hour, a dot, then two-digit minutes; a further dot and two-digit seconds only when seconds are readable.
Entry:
5.09.15
